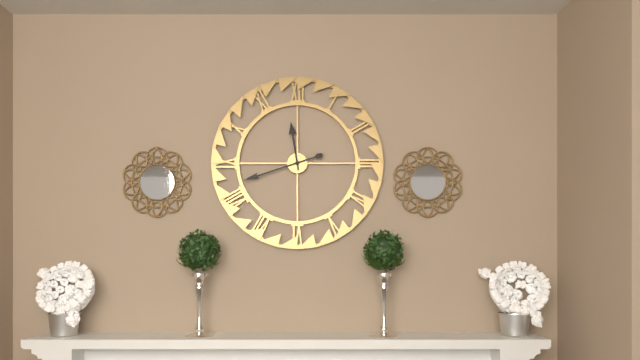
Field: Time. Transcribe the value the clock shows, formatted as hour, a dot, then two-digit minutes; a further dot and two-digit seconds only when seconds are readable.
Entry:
11.42
